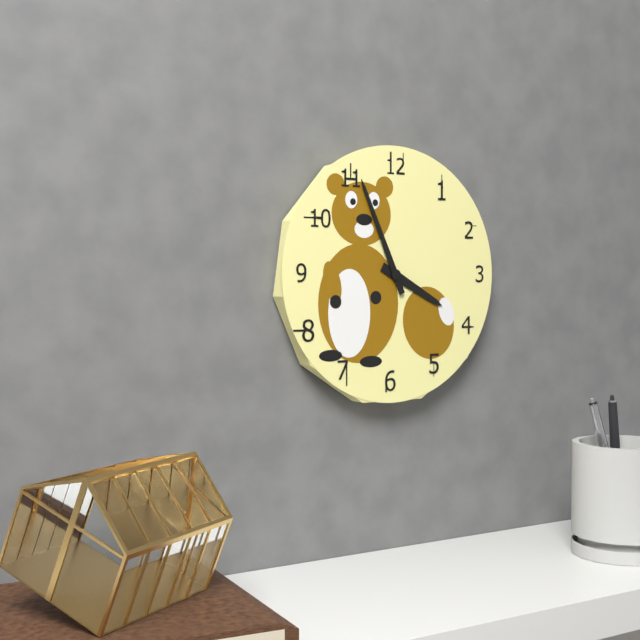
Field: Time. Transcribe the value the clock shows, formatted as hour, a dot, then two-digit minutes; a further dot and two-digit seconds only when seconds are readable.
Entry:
3.56
